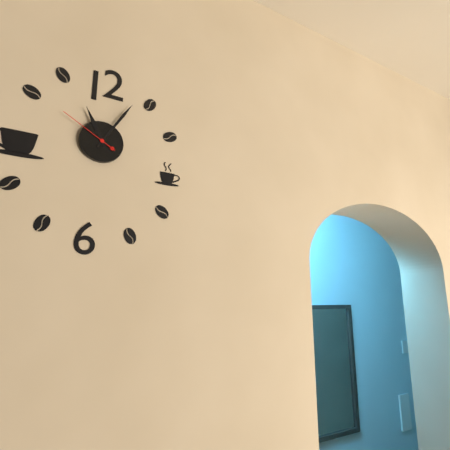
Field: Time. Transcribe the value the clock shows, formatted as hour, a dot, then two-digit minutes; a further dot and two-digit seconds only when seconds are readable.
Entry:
11.05.50
